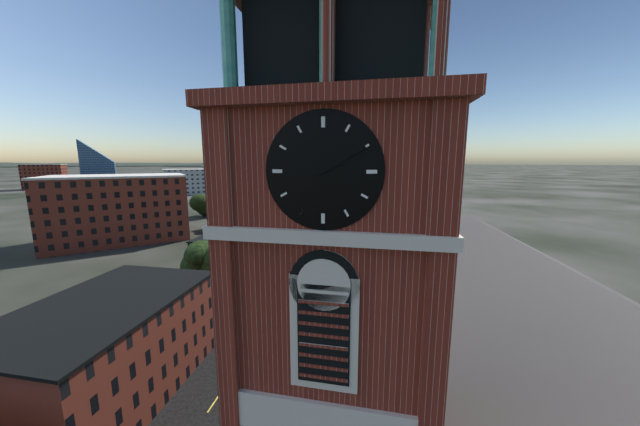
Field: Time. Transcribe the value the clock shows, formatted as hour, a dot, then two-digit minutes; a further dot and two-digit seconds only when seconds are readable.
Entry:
2.10
